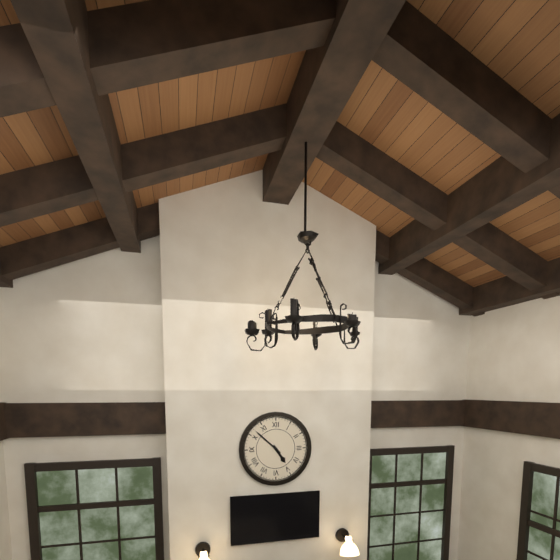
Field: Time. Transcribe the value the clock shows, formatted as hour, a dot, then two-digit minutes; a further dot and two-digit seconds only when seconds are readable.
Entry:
4.52
